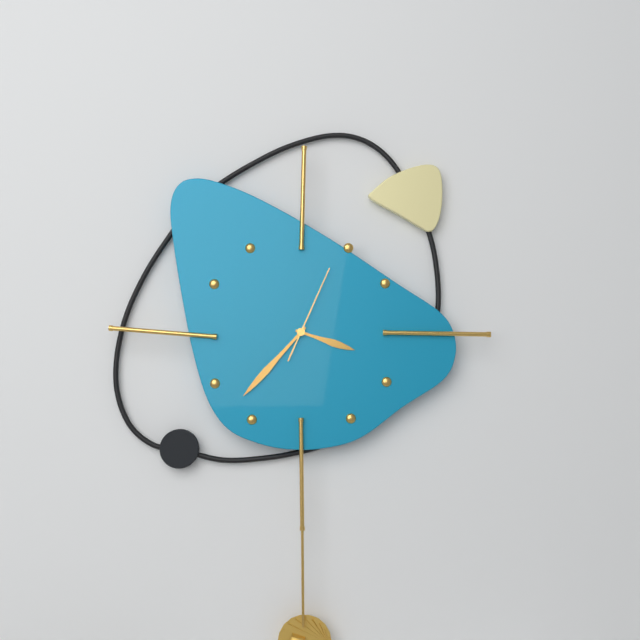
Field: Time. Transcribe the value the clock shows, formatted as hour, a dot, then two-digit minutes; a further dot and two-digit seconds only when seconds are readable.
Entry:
3.37.04
